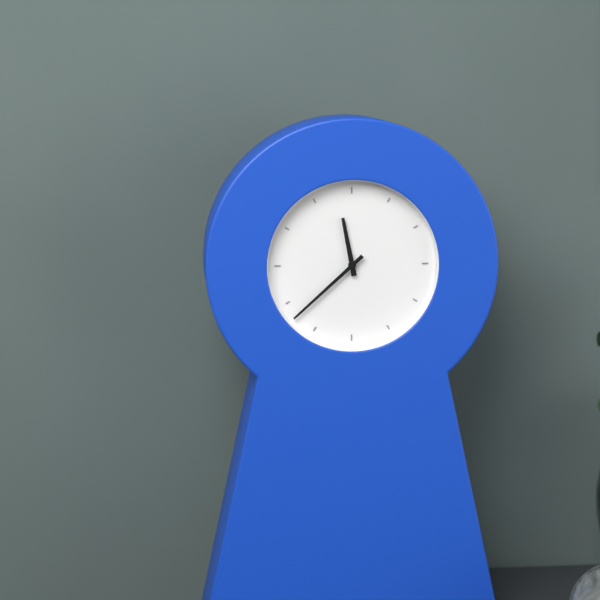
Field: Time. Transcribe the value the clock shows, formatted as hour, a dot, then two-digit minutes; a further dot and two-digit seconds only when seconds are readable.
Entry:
11.38
